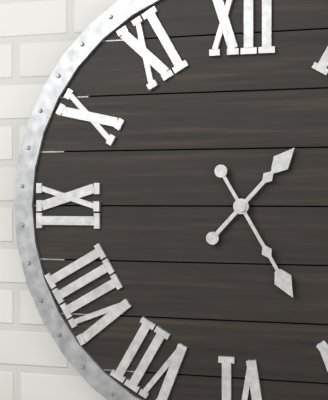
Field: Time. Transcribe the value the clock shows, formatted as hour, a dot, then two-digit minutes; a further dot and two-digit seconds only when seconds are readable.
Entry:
1.25
